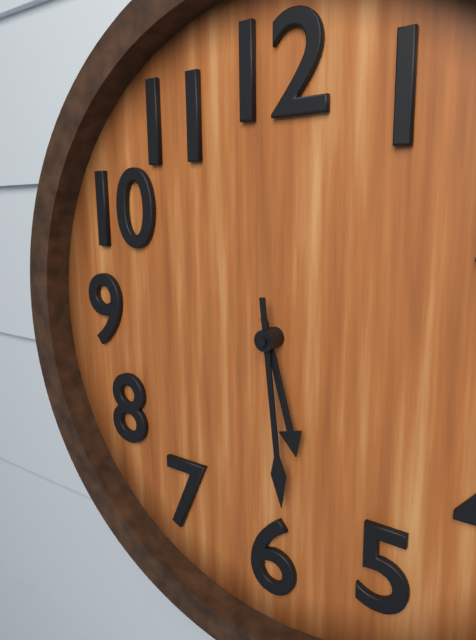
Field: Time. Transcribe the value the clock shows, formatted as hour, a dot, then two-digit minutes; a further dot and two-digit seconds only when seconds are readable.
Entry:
5.29
